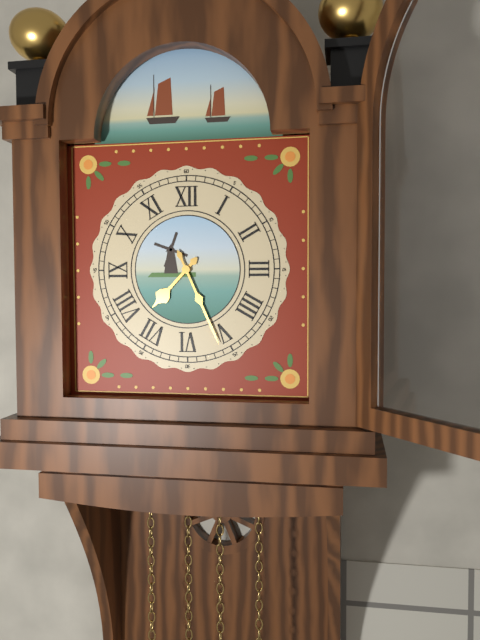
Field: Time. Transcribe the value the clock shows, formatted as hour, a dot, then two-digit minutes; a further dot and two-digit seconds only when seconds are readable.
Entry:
7.26
